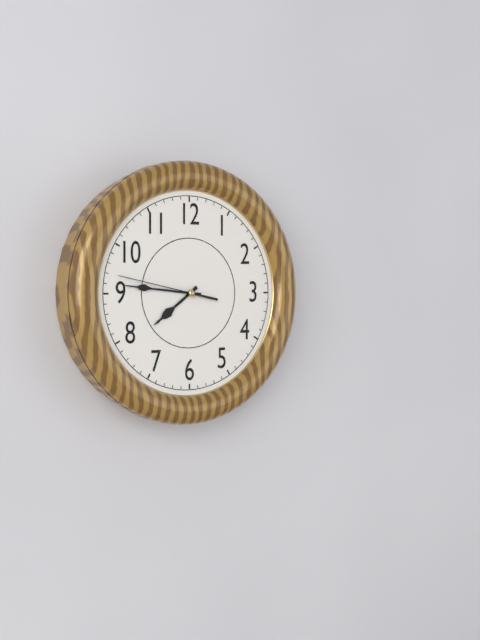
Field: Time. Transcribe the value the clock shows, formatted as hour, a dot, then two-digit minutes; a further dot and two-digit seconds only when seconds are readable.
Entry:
7.46.47
